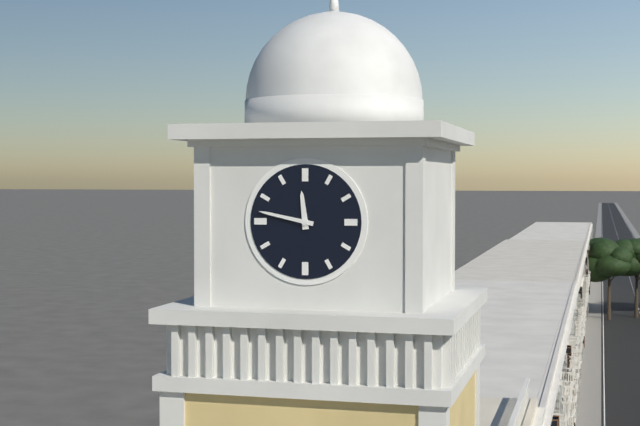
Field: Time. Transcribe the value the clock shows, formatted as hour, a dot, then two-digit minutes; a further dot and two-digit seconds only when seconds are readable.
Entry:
11.47
